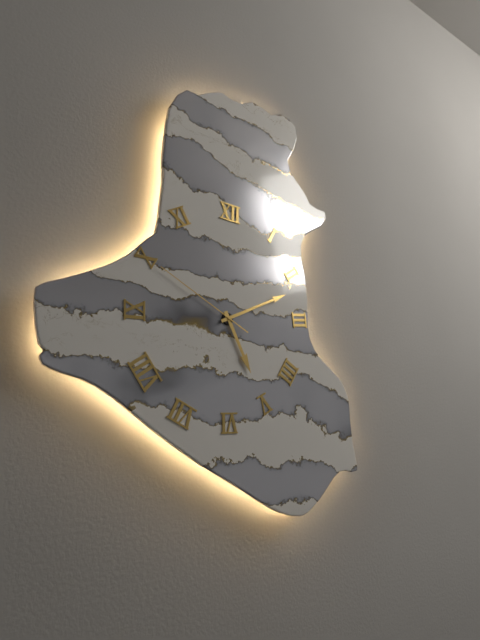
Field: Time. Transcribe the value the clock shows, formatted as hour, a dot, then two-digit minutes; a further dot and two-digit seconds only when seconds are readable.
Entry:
5.11.50
